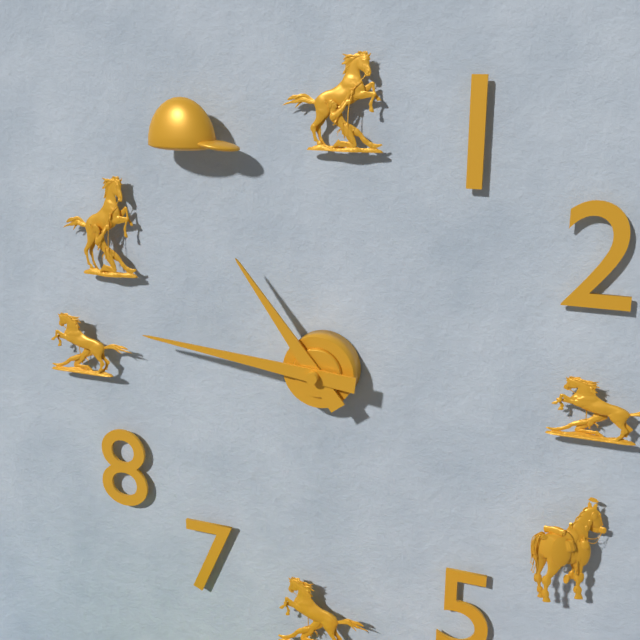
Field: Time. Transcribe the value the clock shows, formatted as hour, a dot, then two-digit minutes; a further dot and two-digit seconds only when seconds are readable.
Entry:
10.46
